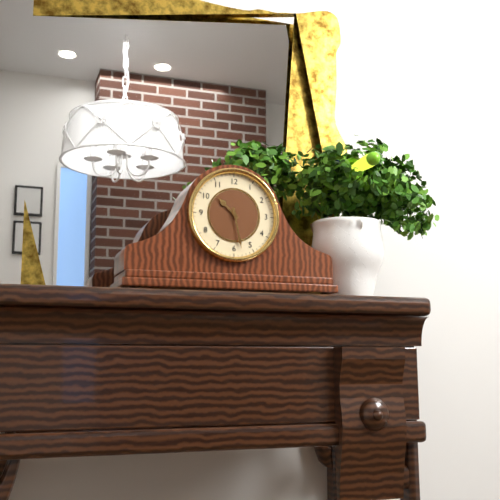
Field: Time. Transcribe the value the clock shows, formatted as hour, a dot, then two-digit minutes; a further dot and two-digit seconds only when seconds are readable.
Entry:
10.28
